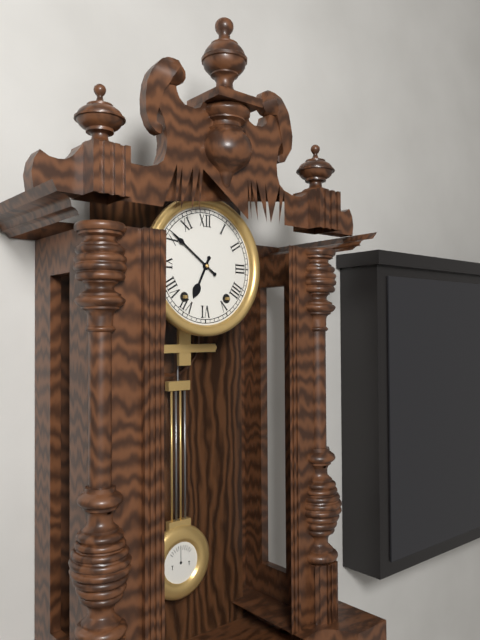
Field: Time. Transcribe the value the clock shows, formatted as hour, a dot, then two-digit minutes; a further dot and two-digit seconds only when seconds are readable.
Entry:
6.51
